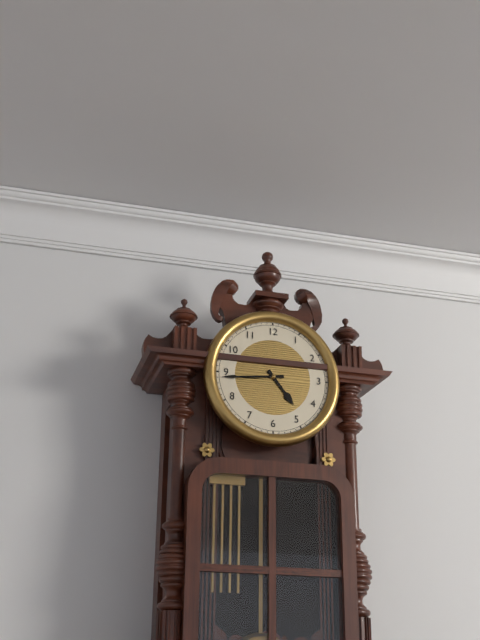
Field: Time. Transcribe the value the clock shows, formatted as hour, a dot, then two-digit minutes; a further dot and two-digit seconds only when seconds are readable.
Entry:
4.44
